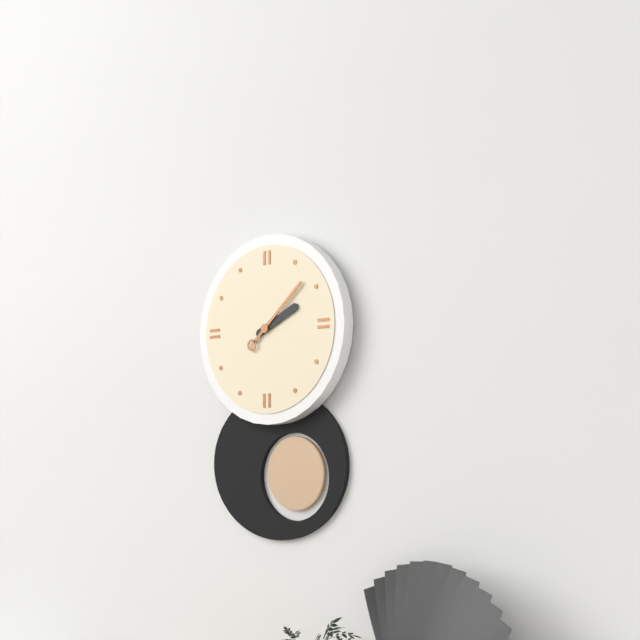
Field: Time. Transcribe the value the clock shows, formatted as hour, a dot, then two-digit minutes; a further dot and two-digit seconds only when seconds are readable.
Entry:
2.08
